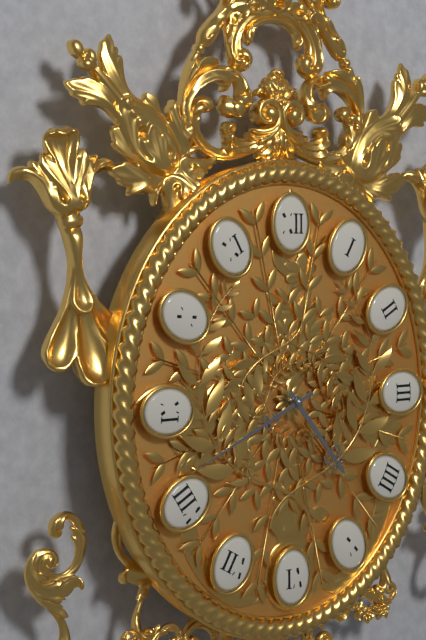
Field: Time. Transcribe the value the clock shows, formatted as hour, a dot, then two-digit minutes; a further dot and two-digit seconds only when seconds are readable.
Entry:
4.41
